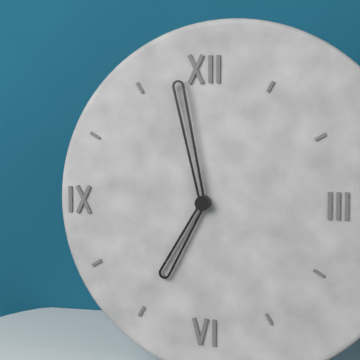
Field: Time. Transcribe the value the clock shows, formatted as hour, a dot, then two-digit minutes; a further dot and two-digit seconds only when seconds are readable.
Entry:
6.58
